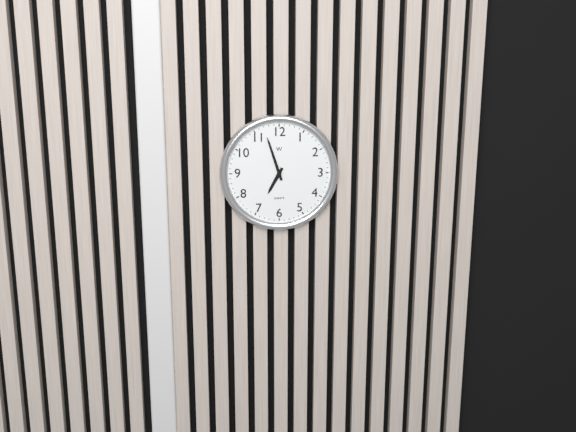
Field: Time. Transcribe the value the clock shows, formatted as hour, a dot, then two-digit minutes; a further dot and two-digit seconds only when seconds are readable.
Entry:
6.57
